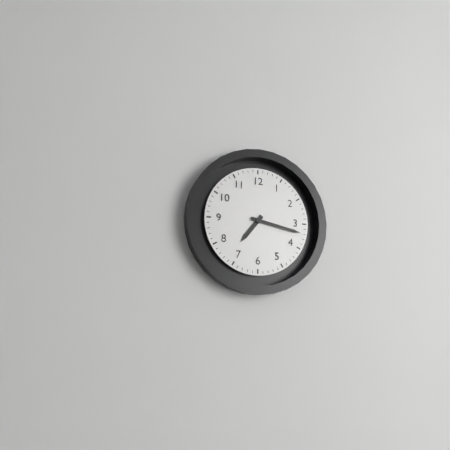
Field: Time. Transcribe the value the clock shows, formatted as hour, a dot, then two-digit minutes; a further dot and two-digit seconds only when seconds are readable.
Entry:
7.17
